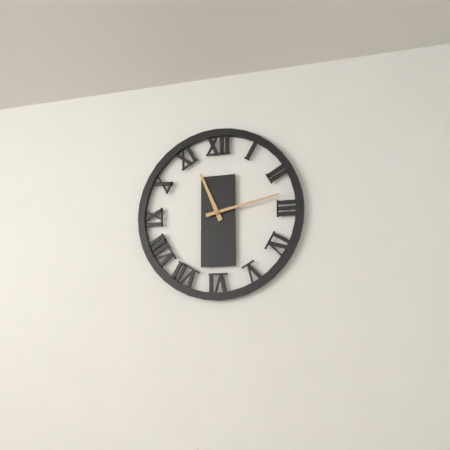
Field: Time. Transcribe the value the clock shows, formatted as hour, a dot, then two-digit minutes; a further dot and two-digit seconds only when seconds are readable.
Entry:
11.13
